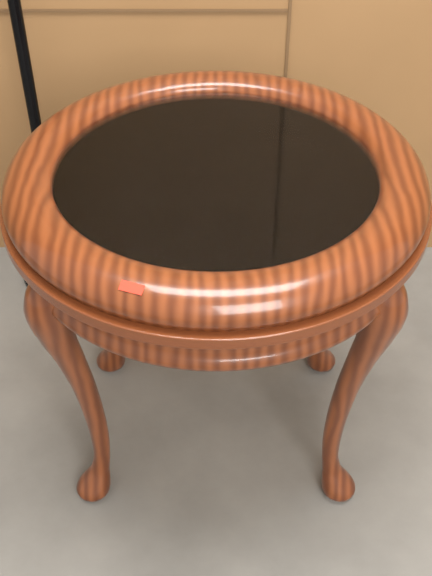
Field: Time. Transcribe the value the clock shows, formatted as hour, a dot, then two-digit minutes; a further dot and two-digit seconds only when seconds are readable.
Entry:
5.21
